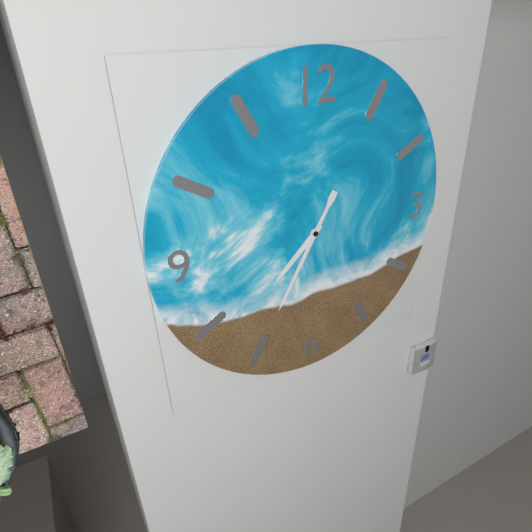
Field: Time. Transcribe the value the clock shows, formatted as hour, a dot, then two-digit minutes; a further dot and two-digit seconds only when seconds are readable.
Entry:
7.35
